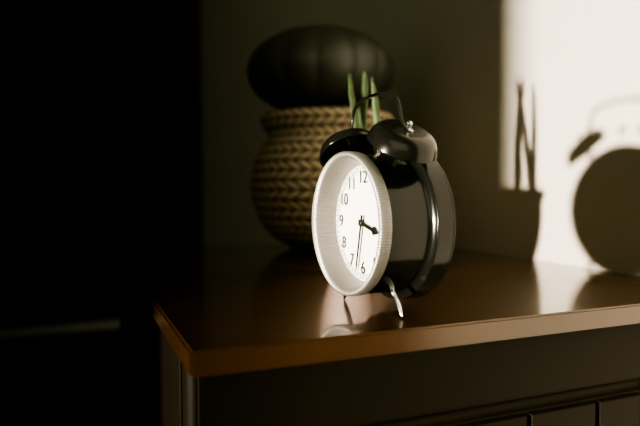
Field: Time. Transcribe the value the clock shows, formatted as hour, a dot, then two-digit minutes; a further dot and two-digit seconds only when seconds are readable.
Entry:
3.32
